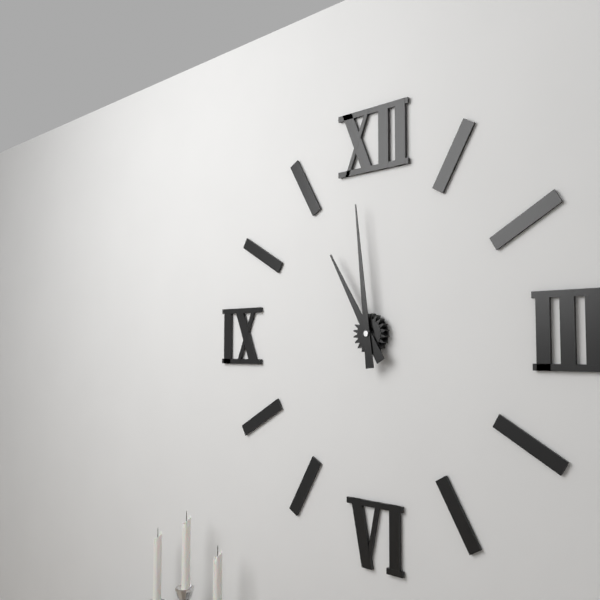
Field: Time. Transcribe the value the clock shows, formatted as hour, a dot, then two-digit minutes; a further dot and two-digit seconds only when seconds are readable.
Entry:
10.59
